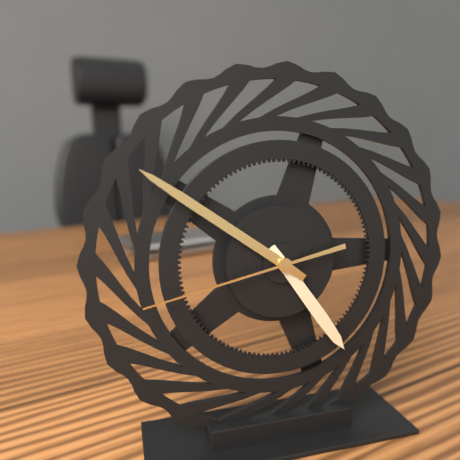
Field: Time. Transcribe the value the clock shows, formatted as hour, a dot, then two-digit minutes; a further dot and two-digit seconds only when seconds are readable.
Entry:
4.51.43
